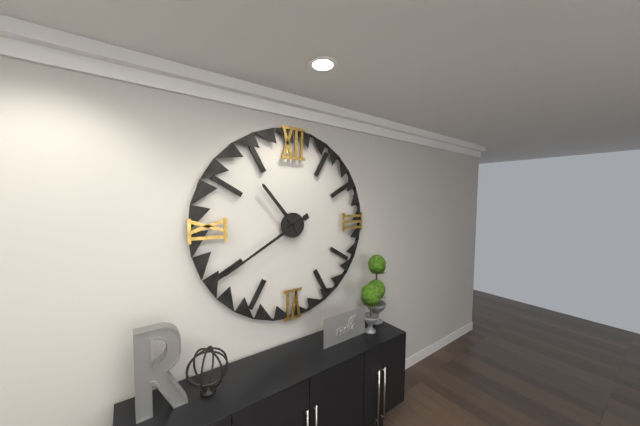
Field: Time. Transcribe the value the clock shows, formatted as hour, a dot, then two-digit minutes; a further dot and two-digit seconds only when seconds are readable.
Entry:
10.40
